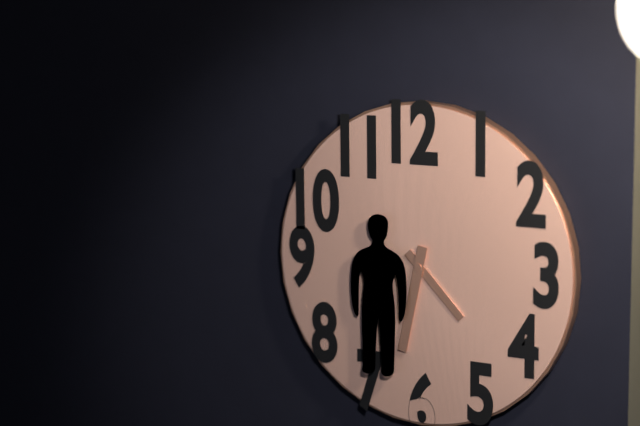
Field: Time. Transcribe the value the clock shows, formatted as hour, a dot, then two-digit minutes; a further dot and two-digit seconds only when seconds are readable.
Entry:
4.32
